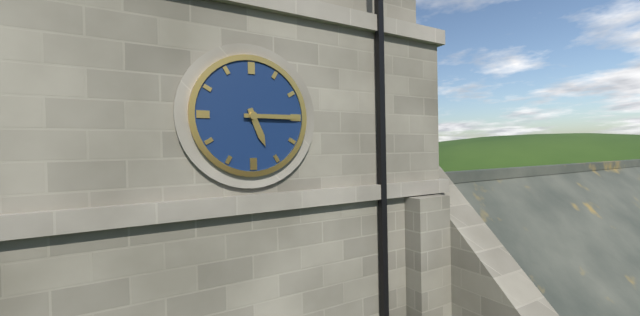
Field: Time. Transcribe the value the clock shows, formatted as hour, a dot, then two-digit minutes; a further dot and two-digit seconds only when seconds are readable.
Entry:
5.15
